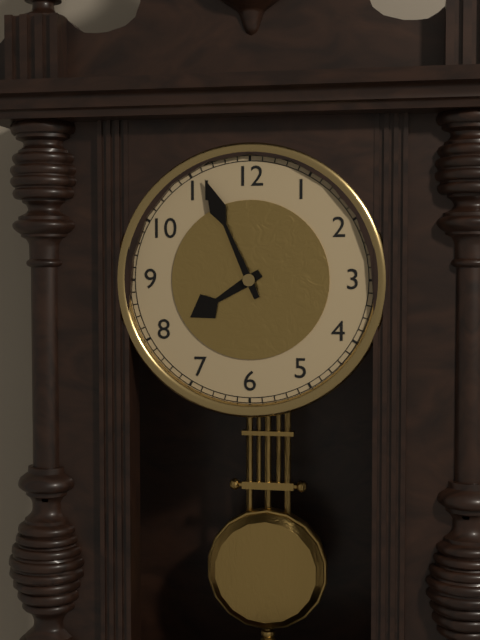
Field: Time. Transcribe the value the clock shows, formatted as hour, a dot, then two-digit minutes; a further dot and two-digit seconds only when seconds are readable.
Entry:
7.56
